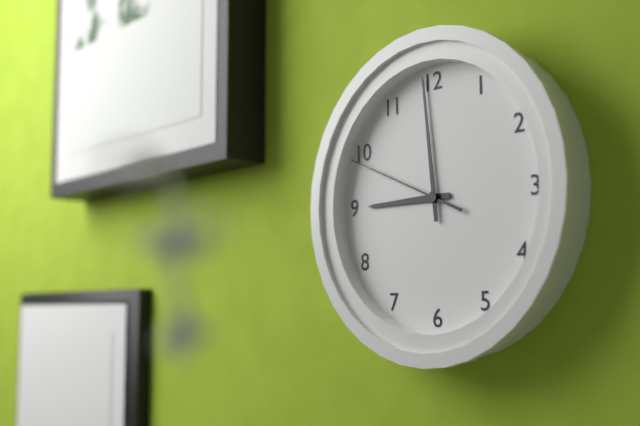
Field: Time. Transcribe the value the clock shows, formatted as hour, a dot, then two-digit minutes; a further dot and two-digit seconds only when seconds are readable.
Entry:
8.59.49
